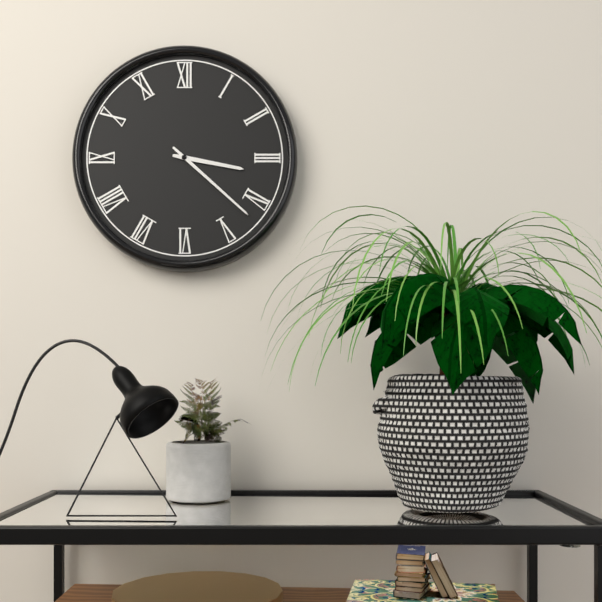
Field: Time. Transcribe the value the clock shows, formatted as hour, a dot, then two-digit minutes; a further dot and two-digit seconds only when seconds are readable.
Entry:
3.22
